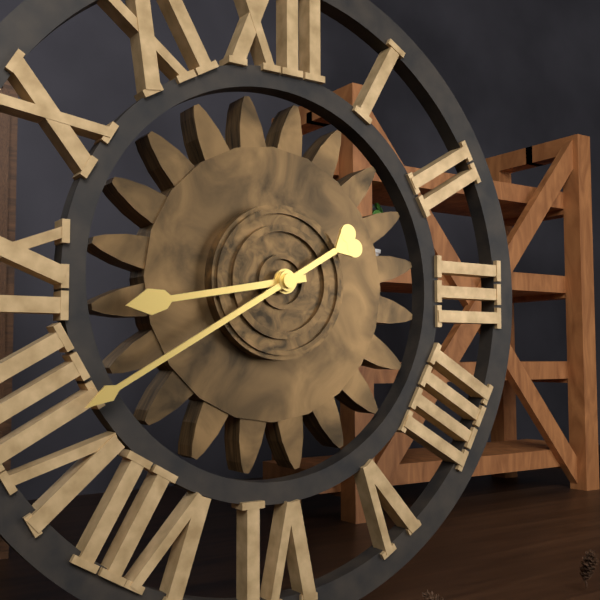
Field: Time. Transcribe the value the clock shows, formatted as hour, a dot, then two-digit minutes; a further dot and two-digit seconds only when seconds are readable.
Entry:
8.40
